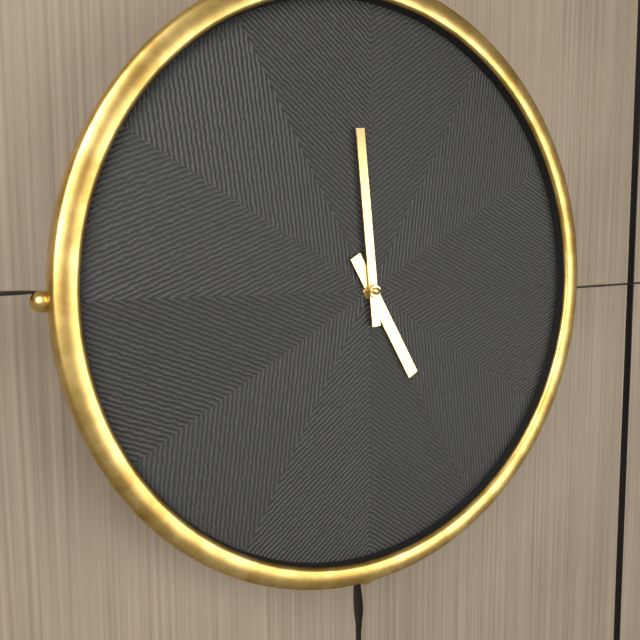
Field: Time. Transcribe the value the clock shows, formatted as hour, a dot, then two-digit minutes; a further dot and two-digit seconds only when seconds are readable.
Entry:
4.59
